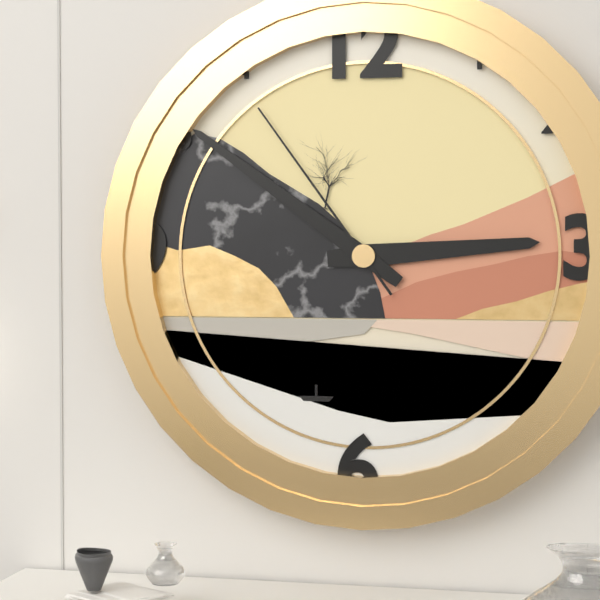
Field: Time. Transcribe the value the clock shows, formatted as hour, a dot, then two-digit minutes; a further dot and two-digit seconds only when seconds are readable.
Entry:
2.51.54
